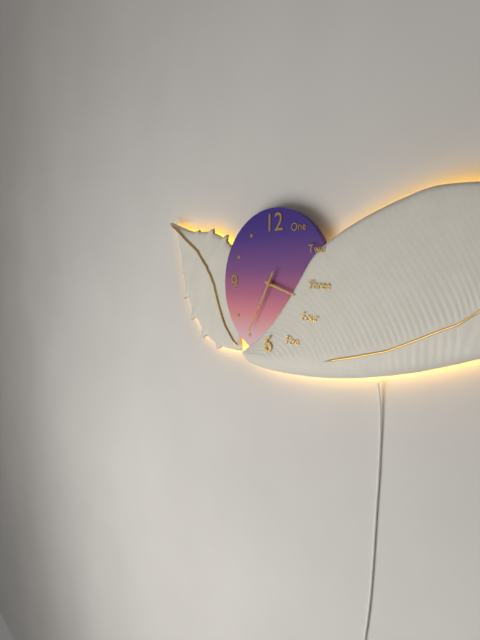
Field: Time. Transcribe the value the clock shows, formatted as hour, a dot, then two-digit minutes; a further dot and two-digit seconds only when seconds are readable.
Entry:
3.35
